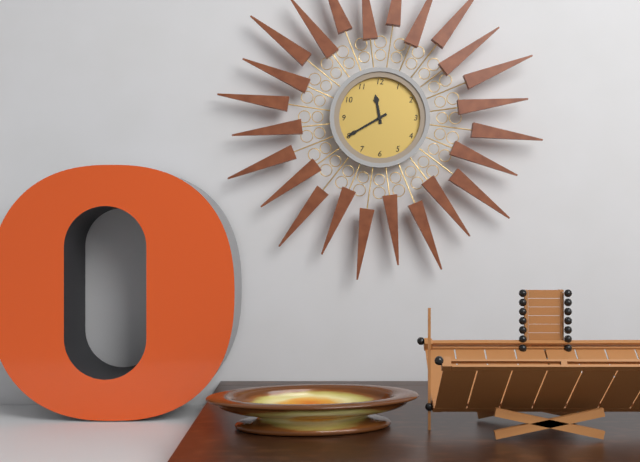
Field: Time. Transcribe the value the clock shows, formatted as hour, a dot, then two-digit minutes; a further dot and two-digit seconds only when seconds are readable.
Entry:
11.40
